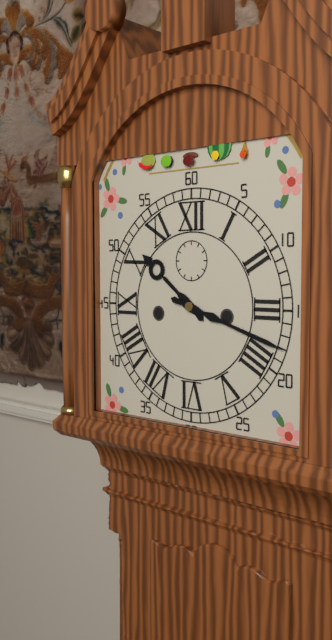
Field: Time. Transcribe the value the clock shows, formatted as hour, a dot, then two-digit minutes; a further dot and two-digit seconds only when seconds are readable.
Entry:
10.18
